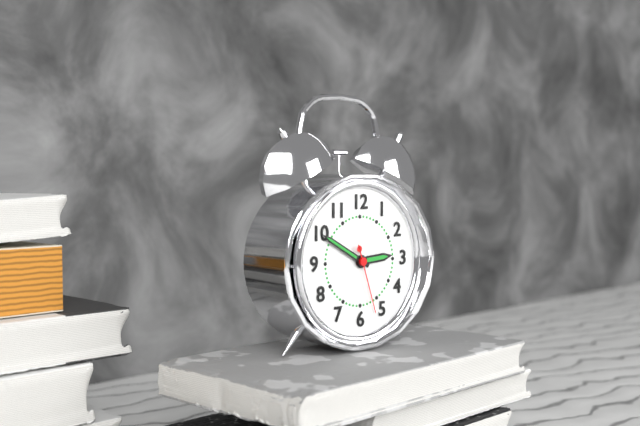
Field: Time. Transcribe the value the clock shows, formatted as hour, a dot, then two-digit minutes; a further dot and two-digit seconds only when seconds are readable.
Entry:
2.50.27
